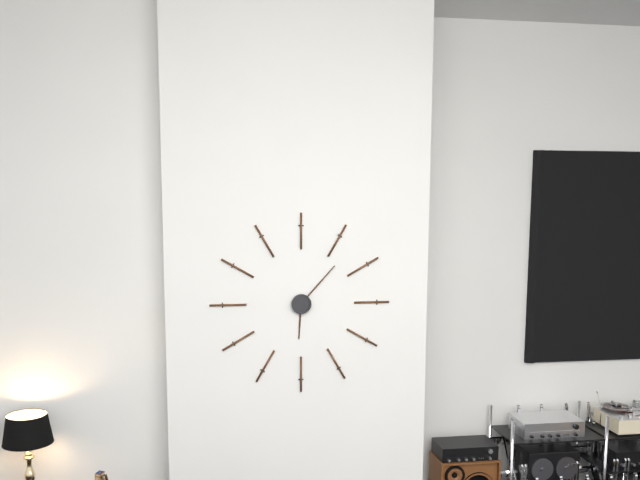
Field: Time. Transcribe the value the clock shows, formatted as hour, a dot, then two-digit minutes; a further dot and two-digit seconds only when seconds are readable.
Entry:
6.07
